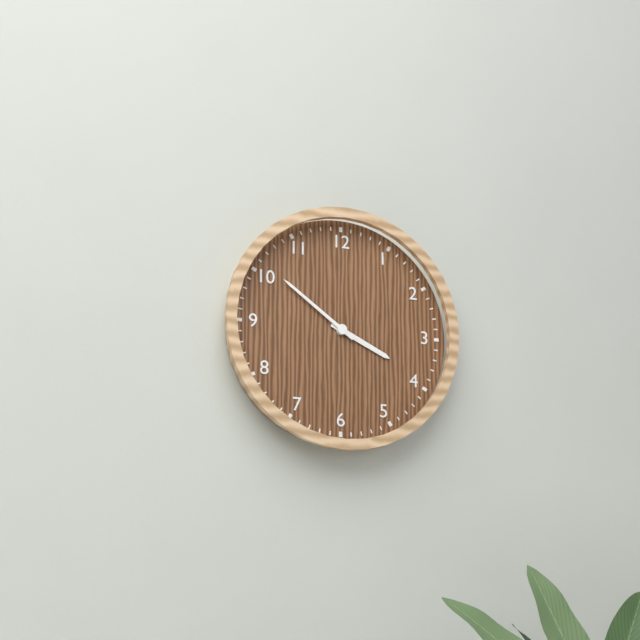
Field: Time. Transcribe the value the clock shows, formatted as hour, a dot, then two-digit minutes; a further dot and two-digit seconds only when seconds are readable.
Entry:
3.51
